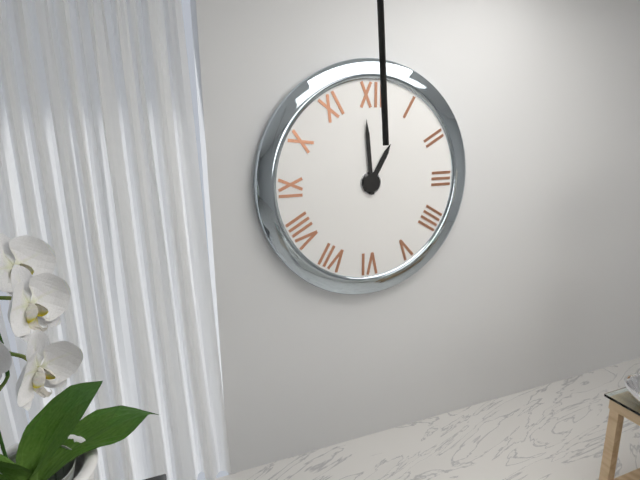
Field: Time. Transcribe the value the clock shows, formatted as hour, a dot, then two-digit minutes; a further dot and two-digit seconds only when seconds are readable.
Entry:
12.59
